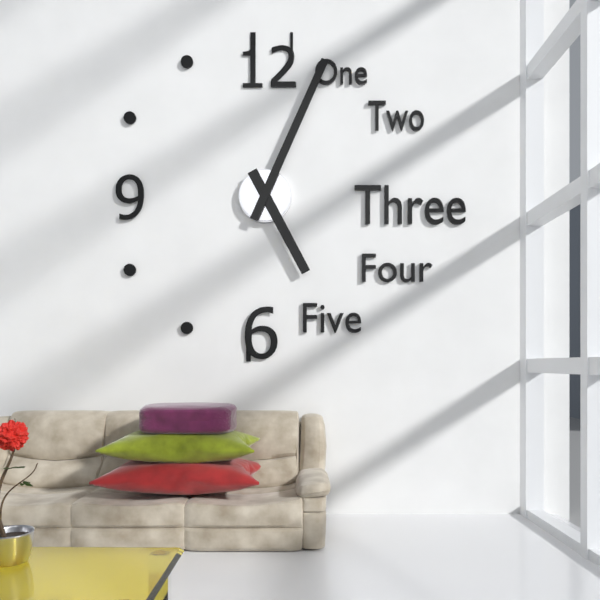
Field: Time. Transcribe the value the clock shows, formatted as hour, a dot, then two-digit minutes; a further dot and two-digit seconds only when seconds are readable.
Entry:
5.04
